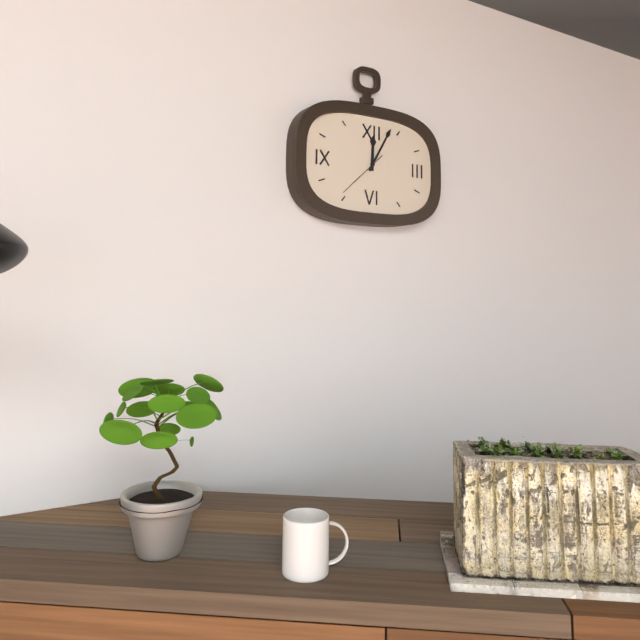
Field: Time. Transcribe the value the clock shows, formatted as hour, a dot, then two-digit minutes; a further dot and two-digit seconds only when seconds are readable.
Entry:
12.05
